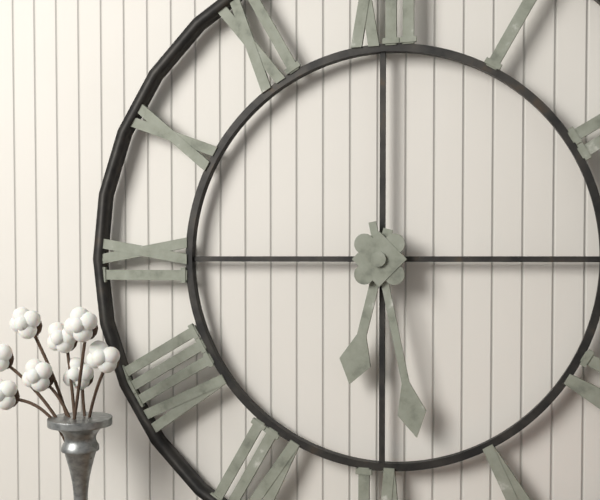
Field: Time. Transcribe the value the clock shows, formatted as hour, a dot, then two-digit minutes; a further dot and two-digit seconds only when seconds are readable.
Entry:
6.28
